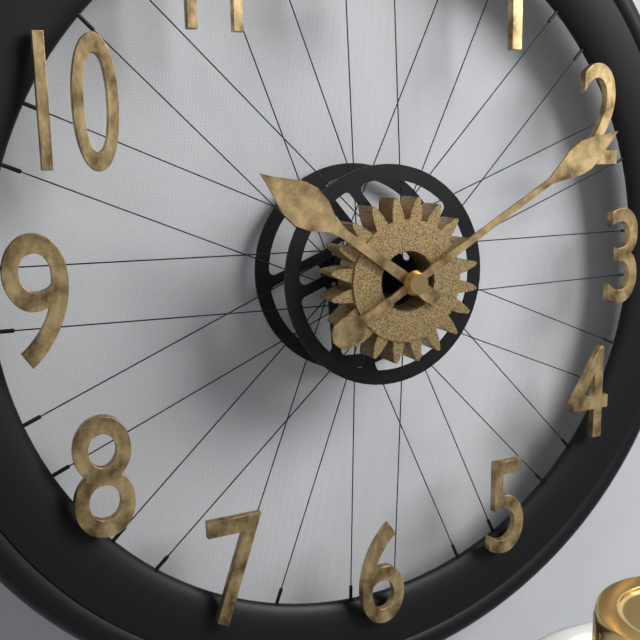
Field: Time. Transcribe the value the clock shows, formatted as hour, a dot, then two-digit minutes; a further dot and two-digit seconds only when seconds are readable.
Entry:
10.10
